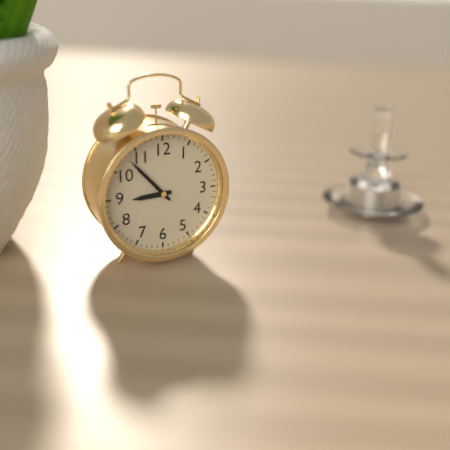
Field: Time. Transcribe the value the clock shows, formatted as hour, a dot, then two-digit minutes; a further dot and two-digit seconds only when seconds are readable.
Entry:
8.53
